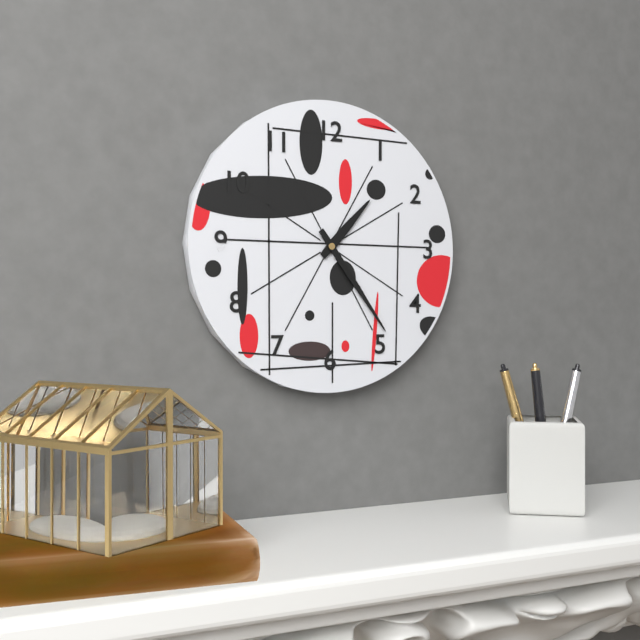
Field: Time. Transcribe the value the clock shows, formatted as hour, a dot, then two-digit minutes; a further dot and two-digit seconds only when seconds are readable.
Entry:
1.24
